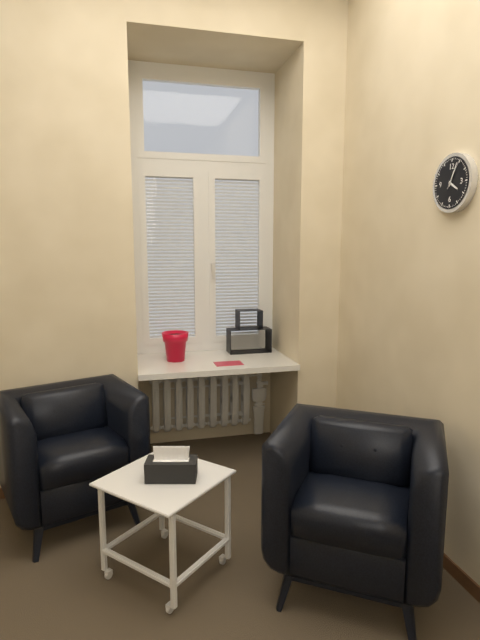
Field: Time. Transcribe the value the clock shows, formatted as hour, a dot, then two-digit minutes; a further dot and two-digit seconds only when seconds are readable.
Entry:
4.04
